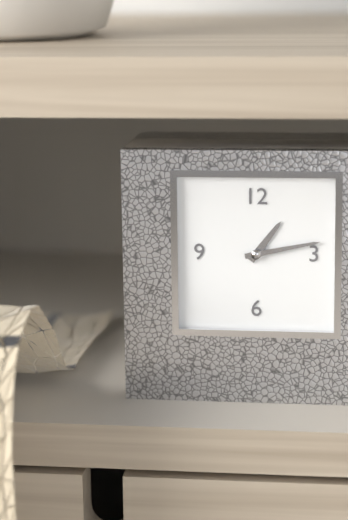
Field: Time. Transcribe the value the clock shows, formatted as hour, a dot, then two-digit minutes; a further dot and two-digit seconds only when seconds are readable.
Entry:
1.13
